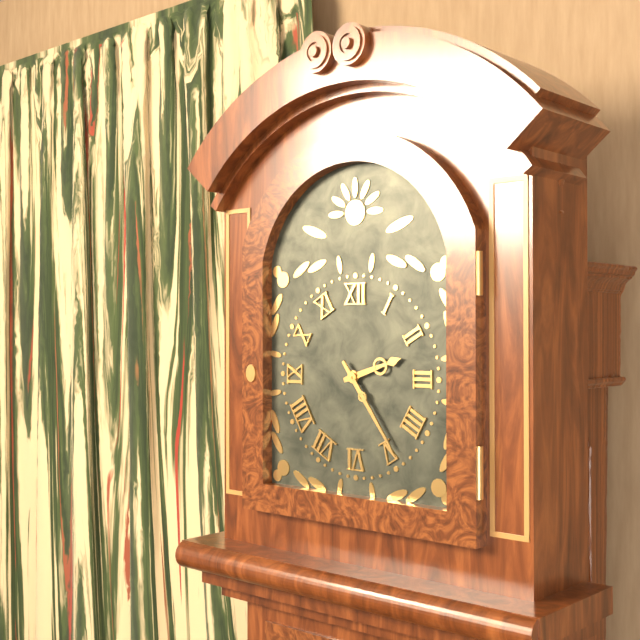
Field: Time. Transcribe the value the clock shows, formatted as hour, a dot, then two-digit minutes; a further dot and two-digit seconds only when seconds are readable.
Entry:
2.24
